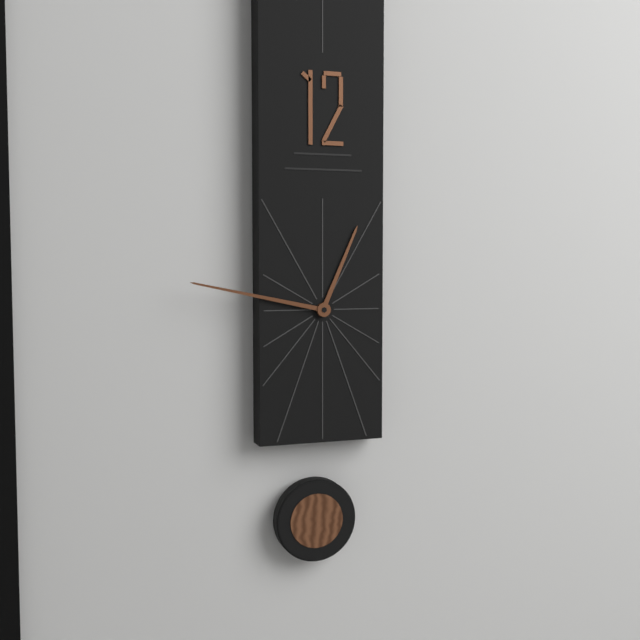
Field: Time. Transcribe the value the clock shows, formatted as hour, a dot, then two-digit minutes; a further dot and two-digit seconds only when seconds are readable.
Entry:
12.47
